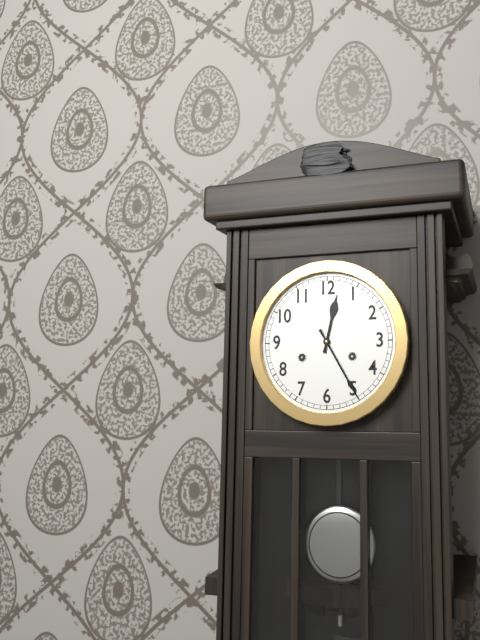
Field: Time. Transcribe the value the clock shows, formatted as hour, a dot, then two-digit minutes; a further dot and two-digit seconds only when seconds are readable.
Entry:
12.25
